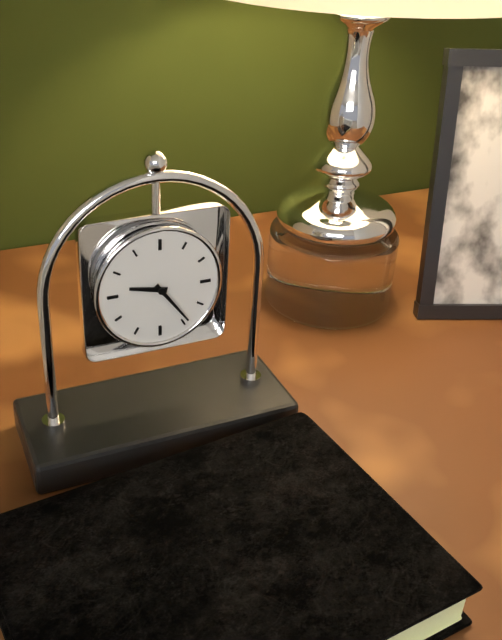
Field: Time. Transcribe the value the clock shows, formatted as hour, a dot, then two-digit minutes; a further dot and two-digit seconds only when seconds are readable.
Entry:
9.24
